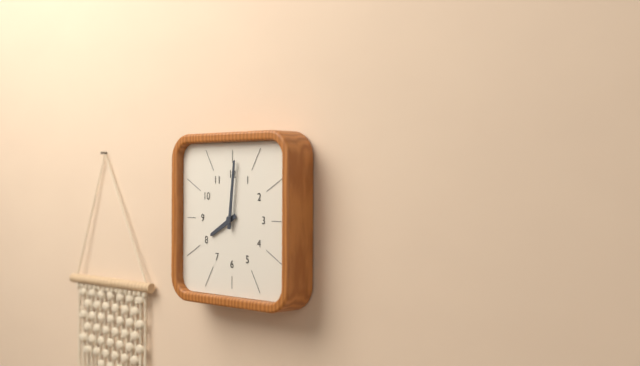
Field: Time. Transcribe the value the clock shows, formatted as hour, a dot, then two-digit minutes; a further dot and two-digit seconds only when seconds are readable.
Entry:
8.01
